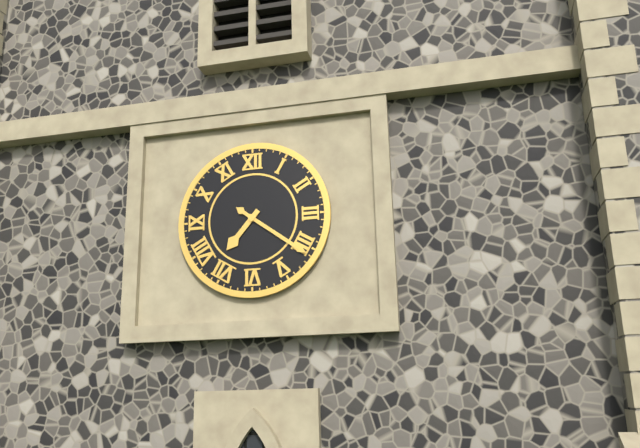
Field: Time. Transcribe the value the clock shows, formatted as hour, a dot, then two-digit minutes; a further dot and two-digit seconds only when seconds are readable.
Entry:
7.21
